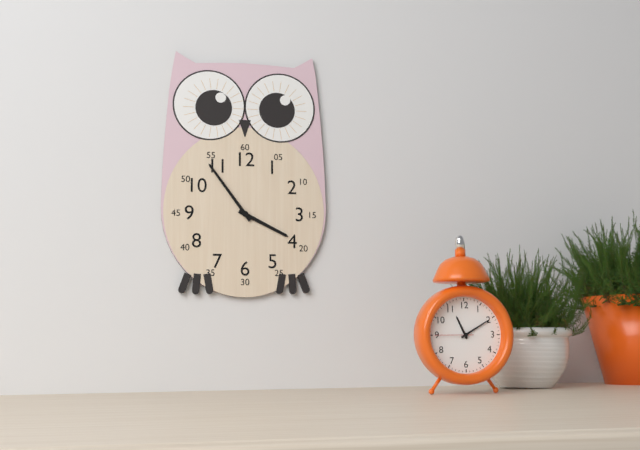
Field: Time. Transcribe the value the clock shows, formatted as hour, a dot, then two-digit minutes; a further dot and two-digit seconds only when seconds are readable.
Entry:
3.54
